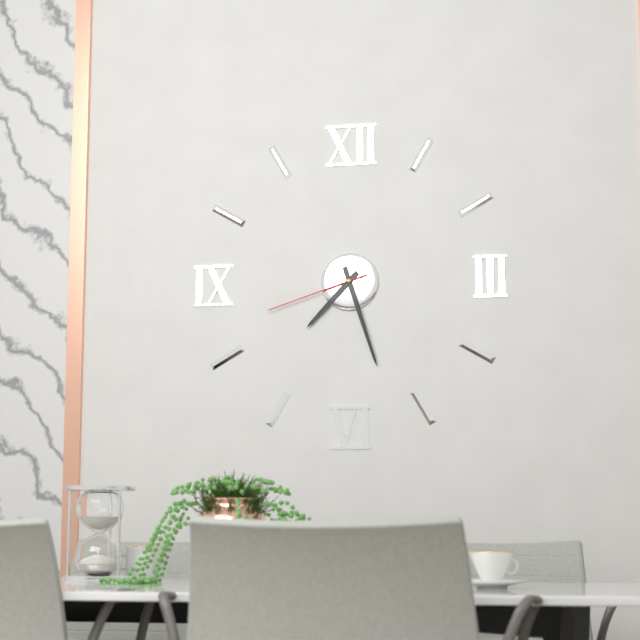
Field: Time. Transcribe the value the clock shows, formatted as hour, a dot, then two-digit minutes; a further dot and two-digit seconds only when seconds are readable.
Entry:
7.27.42
